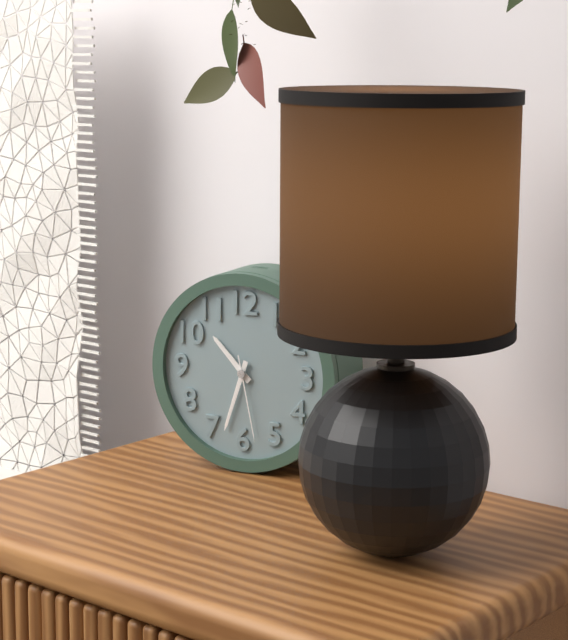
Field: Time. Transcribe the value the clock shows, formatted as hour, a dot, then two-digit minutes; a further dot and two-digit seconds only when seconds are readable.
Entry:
10.33.28
